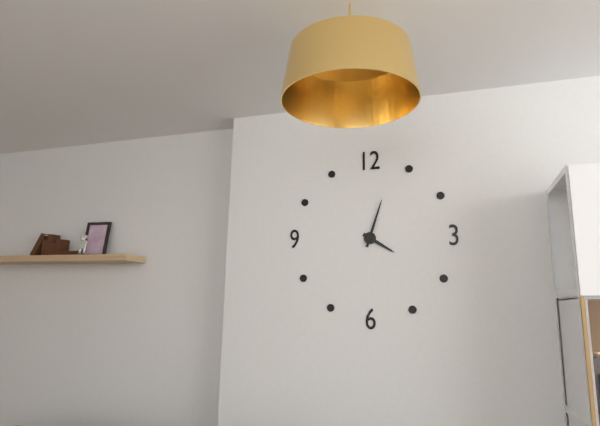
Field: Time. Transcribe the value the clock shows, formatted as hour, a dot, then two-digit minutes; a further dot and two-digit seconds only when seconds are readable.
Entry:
4.03
